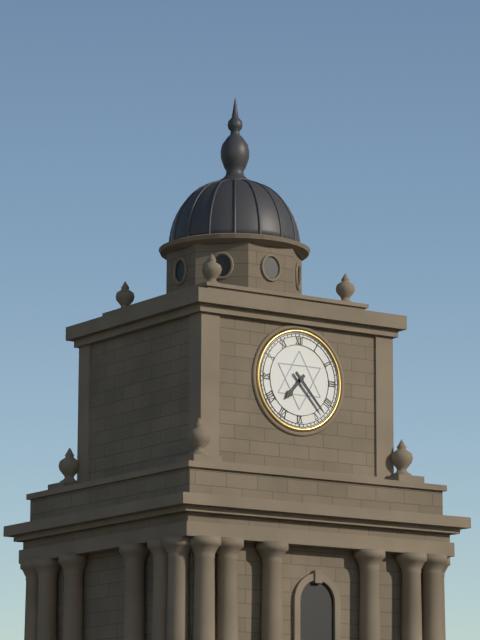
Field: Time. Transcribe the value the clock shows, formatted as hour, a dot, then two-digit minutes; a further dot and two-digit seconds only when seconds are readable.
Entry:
7.23
